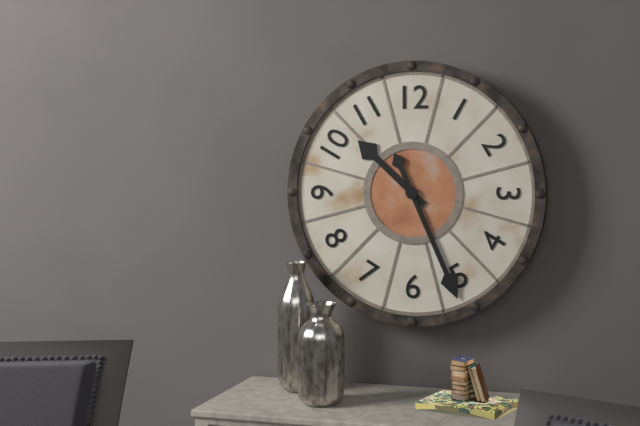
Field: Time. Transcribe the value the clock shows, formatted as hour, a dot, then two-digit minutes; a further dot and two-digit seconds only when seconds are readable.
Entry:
10.26
